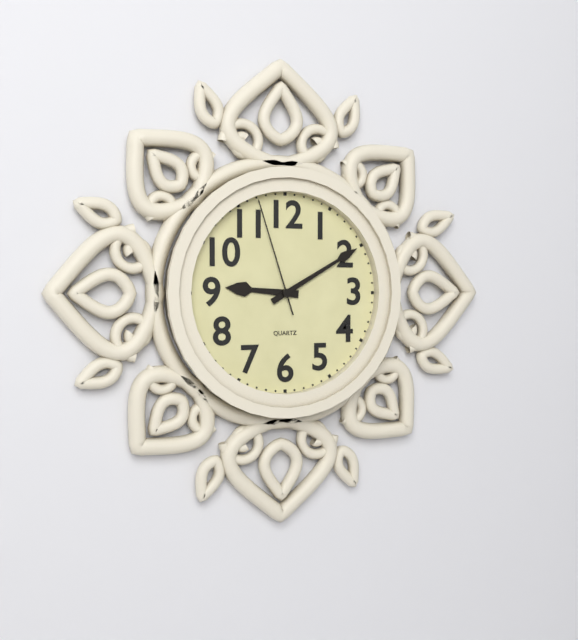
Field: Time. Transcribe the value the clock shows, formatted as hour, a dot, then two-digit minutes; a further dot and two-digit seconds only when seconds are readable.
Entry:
9.10.57
